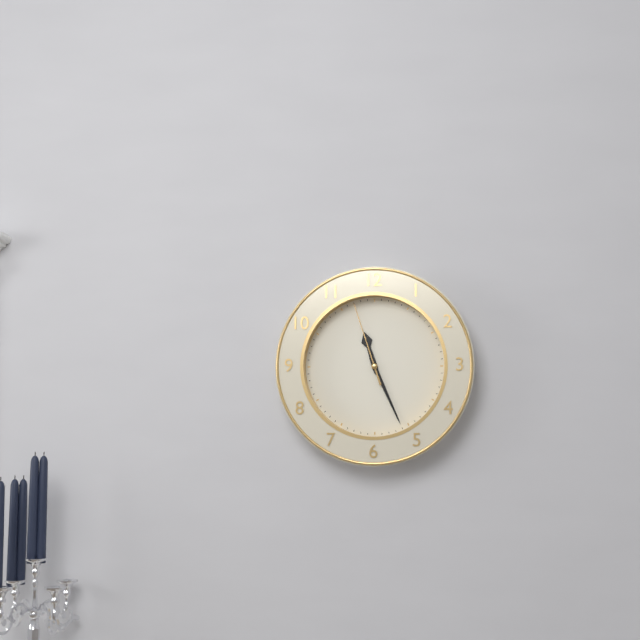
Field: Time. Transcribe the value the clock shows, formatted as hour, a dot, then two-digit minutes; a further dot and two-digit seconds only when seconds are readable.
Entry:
11.26.57
